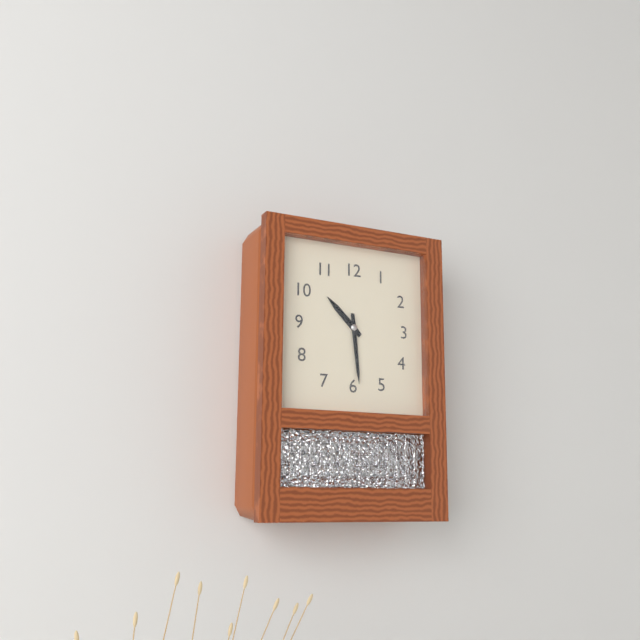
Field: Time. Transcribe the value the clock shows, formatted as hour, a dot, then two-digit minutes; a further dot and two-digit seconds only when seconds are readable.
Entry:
10.29
